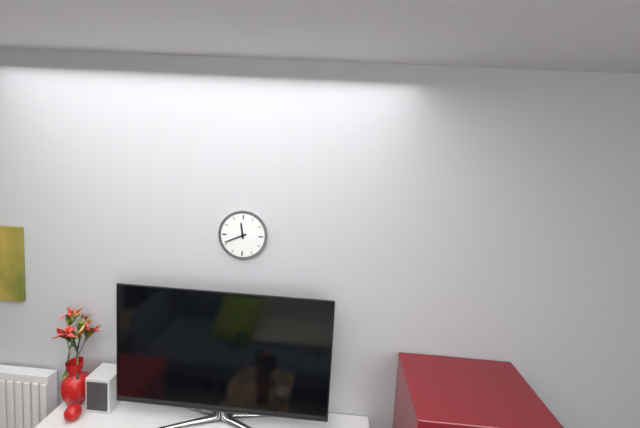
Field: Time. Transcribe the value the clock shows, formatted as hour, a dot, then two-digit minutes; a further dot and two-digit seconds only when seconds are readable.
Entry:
11.41
